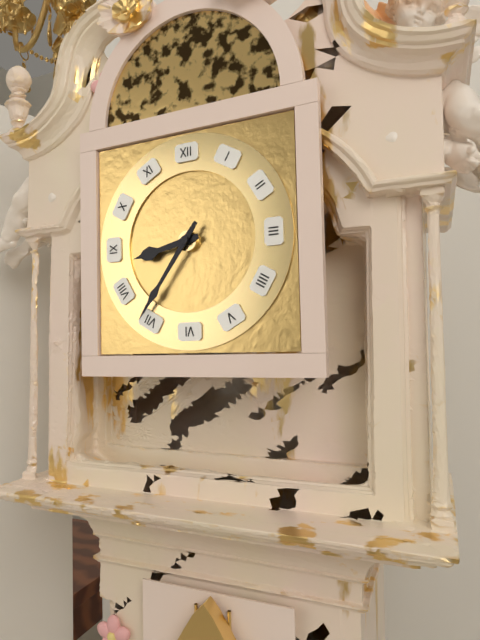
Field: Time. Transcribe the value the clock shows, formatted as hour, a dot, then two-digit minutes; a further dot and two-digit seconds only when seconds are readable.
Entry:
8.36
